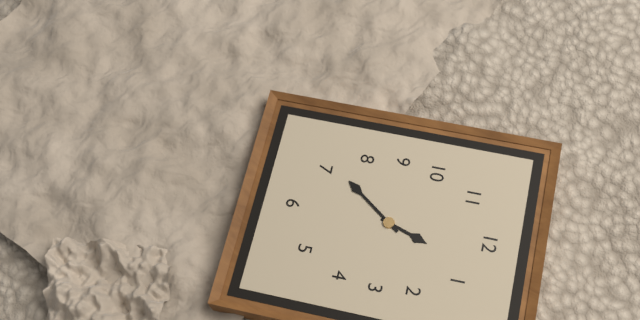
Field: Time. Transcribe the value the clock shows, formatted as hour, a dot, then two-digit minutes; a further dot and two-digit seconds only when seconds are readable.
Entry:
12.36
